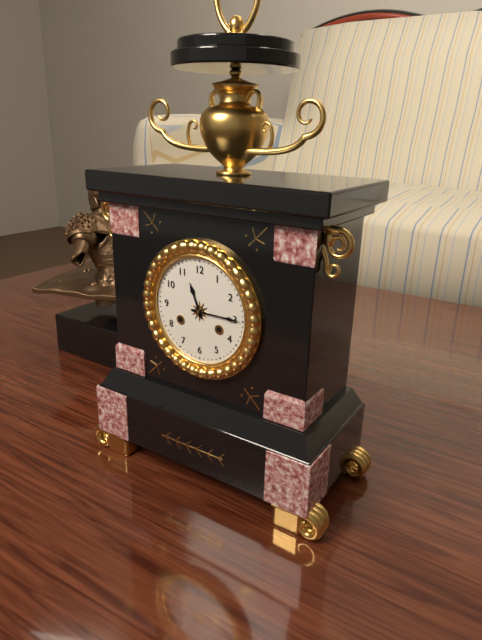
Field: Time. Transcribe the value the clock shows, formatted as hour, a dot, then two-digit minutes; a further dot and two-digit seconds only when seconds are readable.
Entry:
11.15
